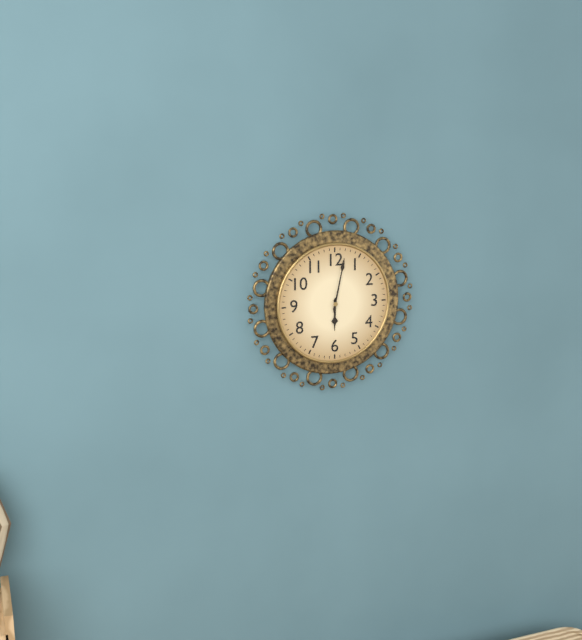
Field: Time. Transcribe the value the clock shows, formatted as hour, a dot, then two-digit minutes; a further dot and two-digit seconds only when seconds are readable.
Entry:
6.02
